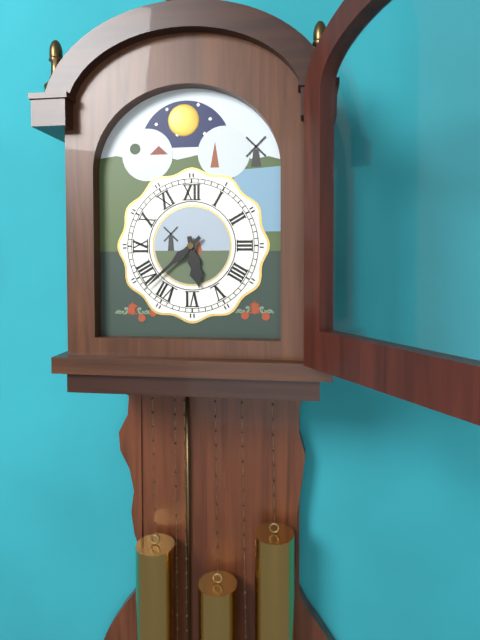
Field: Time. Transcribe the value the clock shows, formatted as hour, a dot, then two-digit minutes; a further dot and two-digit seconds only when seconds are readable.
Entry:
5.38
